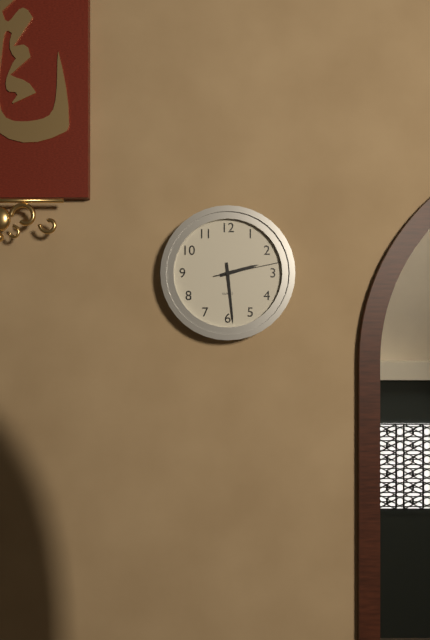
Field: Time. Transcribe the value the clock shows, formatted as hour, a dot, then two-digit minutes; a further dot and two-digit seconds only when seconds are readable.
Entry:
2.29.13
